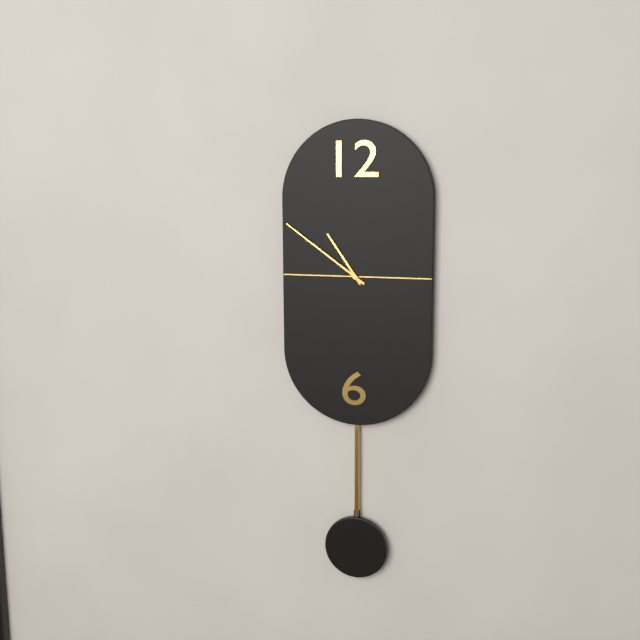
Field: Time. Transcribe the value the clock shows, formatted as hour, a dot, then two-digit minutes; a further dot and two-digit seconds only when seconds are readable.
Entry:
10.51
